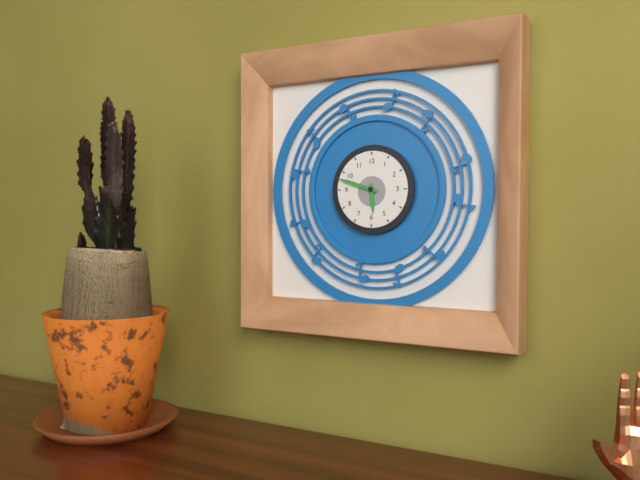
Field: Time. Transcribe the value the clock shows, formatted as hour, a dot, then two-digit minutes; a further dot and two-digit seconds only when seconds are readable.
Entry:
5.48
